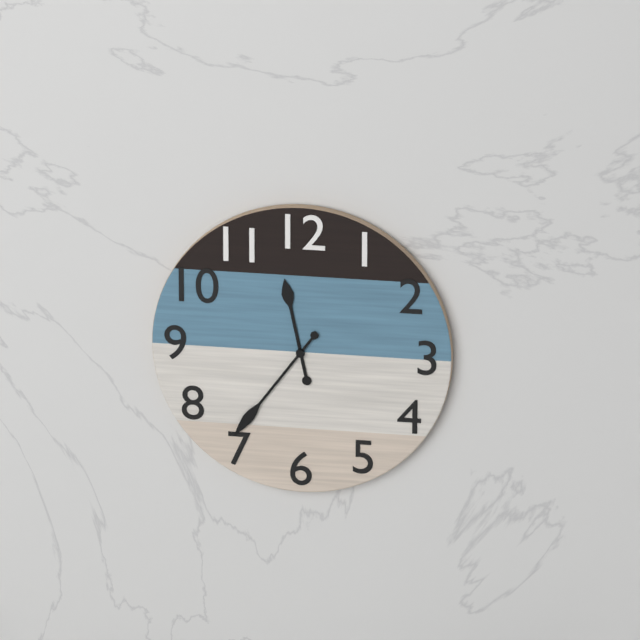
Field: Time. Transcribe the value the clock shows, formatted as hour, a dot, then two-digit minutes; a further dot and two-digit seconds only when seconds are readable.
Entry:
11.36
